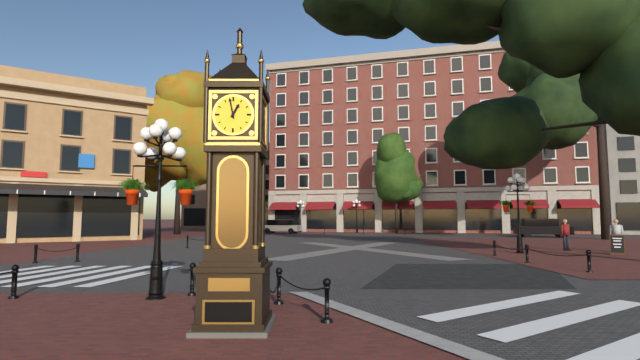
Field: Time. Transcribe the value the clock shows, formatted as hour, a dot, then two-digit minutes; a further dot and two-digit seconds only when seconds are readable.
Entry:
12.58
